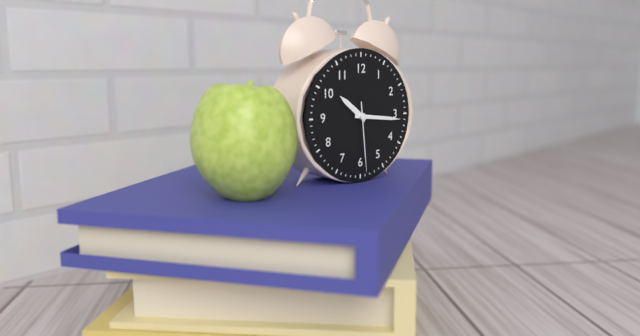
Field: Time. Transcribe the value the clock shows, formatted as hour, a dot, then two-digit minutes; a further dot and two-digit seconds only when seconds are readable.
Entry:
10.16.29
